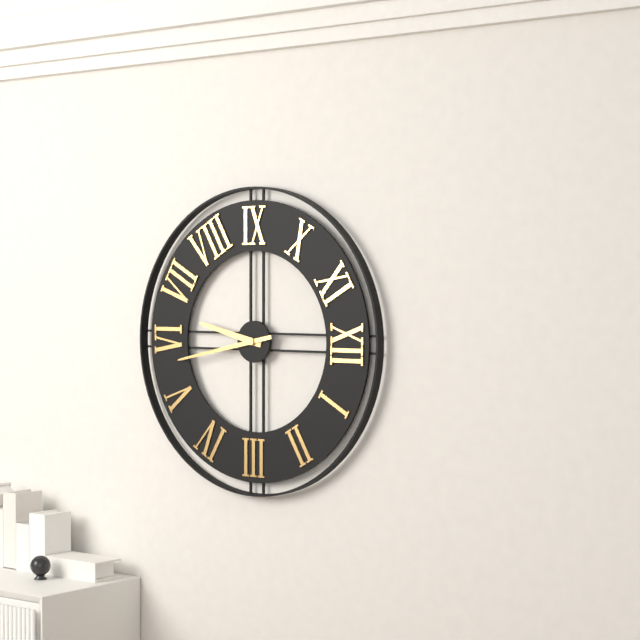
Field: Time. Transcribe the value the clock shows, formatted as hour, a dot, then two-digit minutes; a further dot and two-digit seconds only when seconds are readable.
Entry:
6.28
